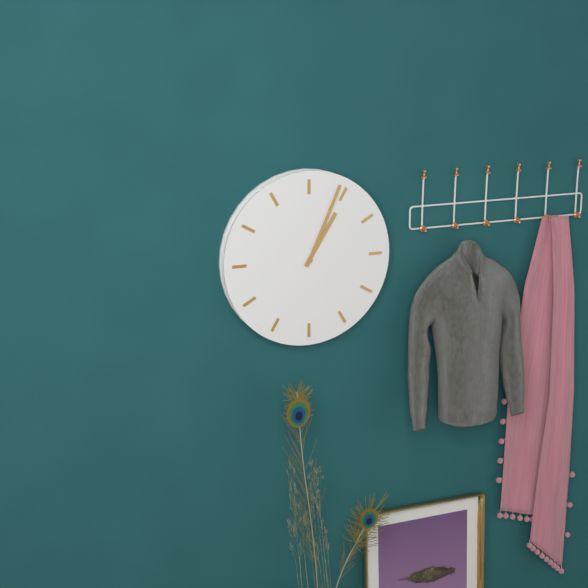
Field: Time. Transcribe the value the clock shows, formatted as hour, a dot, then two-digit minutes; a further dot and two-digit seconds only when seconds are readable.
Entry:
1.04
